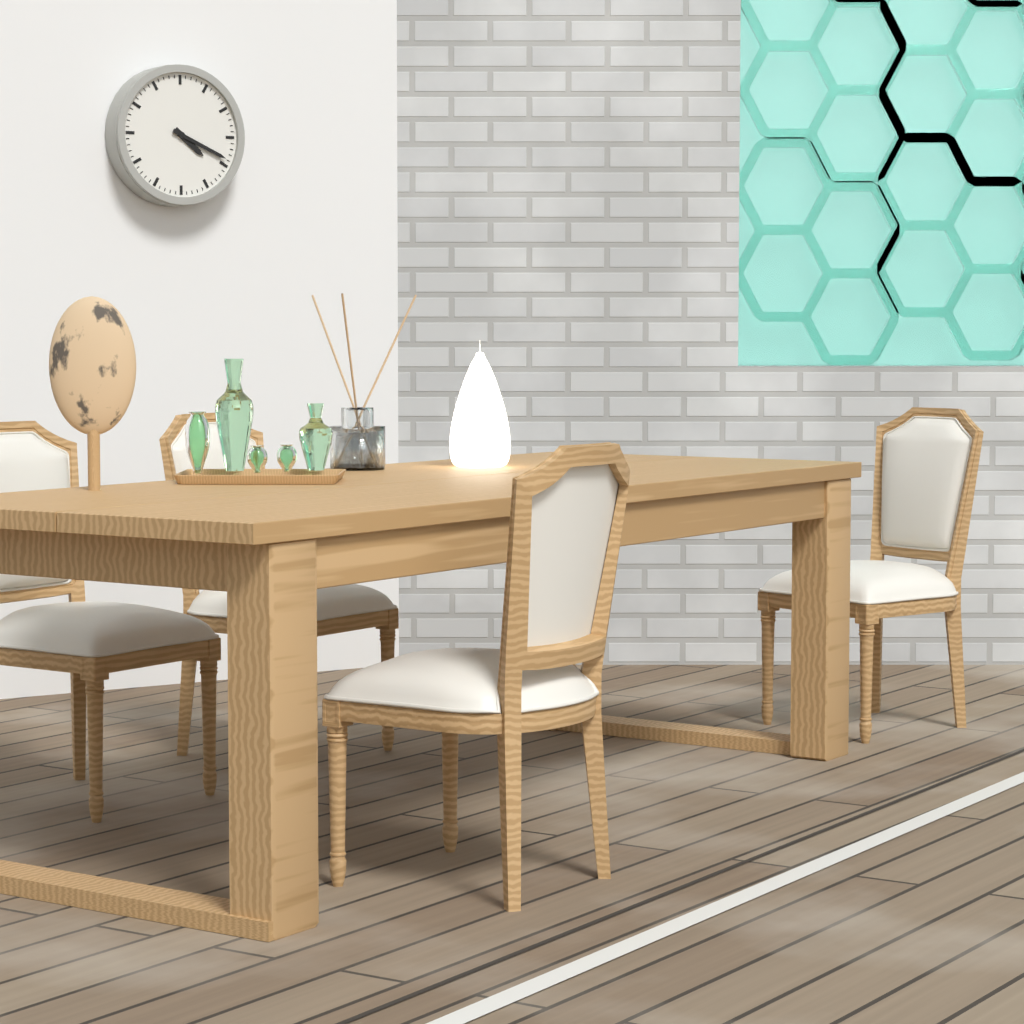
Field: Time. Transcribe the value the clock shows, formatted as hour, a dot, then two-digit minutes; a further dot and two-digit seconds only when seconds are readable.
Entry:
4.19
